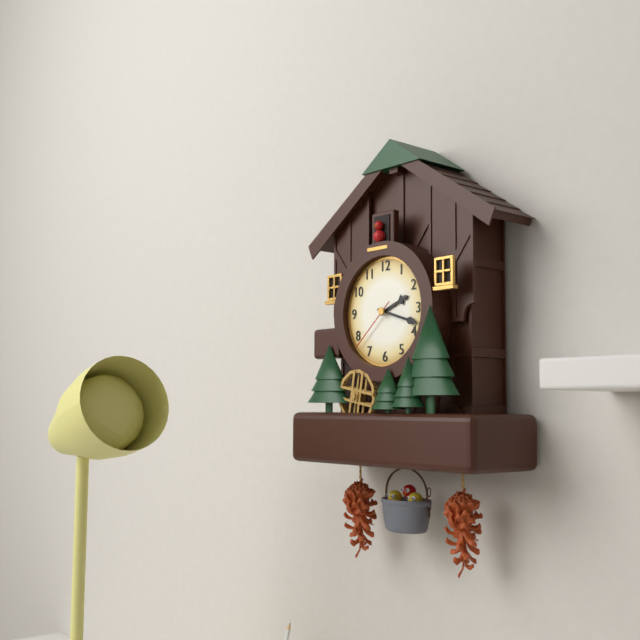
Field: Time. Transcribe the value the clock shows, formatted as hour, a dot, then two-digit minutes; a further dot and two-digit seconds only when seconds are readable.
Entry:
2.18.38
